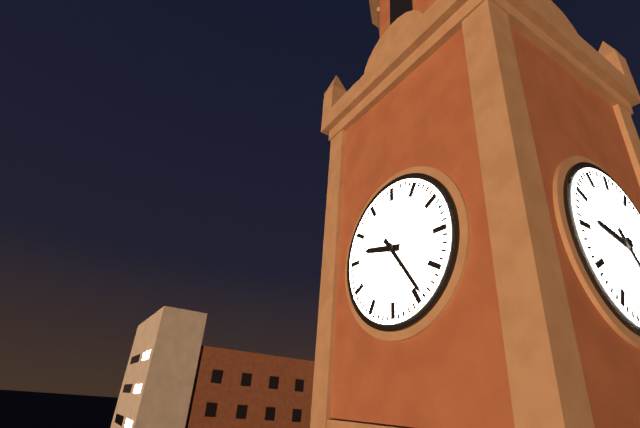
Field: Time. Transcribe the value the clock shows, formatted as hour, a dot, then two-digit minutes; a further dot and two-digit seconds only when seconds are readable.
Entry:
9.24
